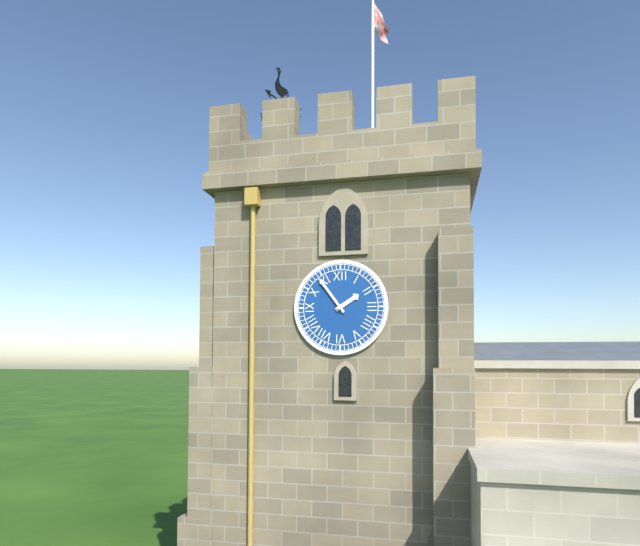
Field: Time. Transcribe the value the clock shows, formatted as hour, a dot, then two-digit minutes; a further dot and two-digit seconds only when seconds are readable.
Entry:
1.54
